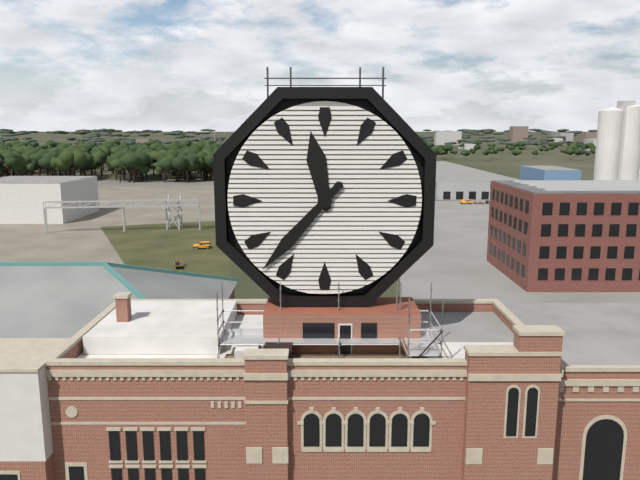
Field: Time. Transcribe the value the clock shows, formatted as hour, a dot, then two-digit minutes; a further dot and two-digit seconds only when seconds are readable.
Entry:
11.37
